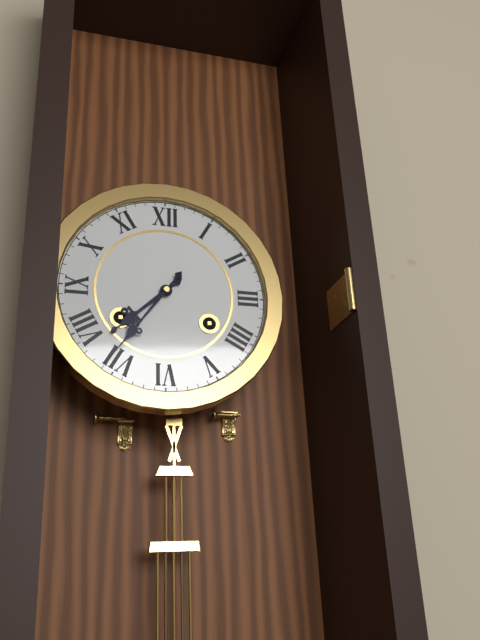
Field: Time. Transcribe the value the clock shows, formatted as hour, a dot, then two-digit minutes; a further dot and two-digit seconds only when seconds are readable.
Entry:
7.36
